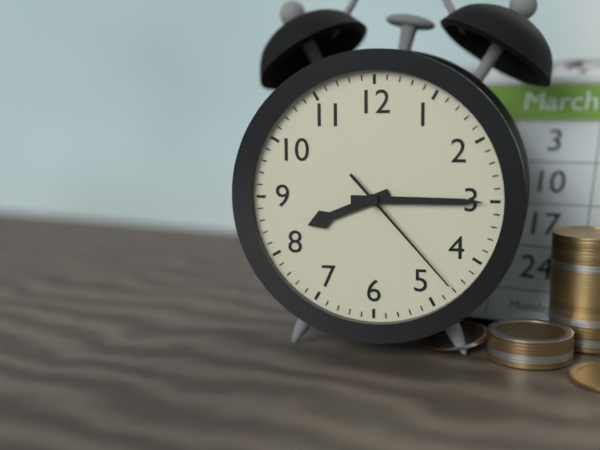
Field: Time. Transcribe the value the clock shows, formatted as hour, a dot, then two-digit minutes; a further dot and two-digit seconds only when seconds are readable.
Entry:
8.15.23
